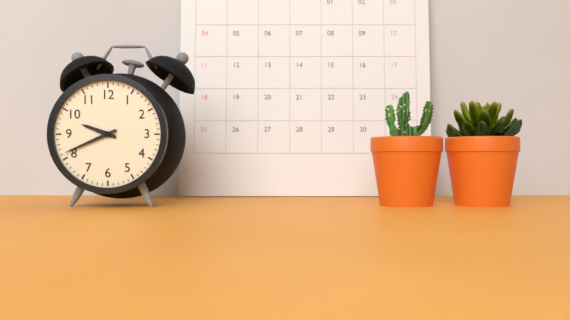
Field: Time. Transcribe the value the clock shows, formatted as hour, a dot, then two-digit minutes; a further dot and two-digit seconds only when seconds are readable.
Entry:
9.41
